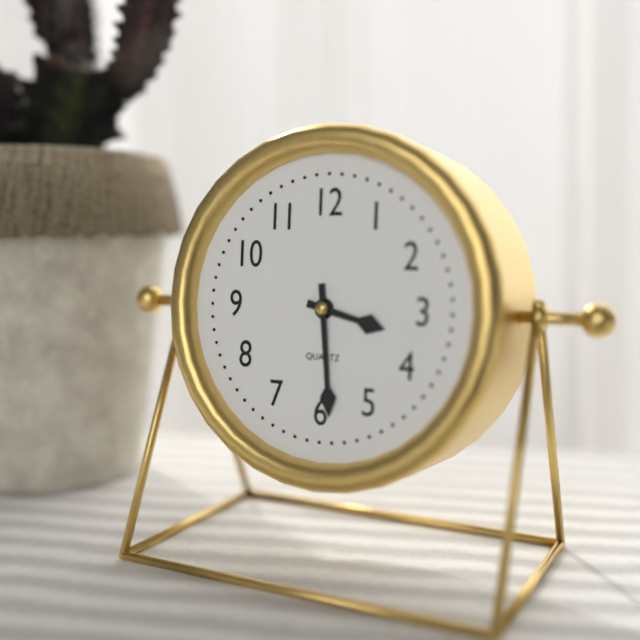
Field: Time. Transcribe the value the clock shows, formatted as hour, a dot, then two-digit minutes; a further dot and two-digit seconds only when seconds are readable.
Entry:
3.29
